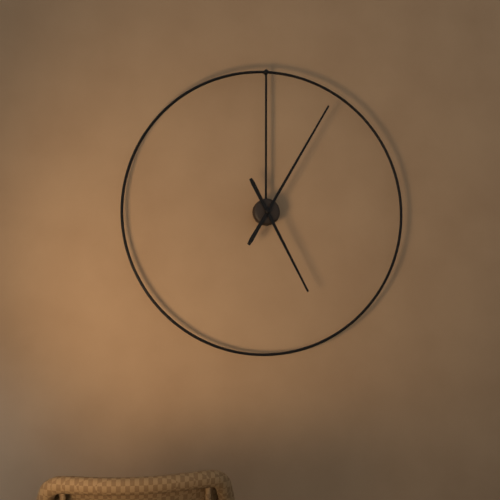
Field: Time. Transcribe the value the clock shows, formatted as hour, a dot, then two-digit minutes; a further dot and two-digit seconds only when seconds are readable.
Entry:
5.05
